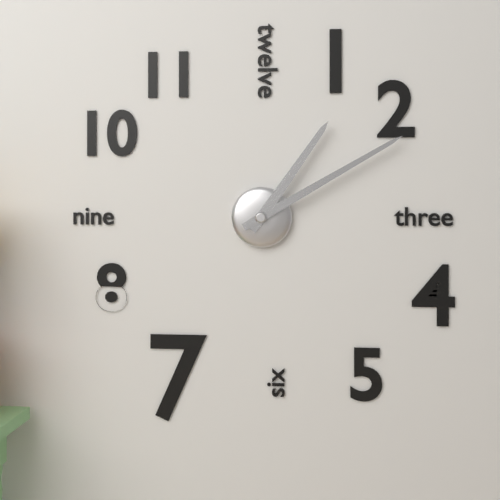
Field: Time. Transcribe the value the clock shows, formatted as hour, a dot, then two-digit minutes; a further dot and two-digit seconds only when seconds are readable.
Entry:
1.10
